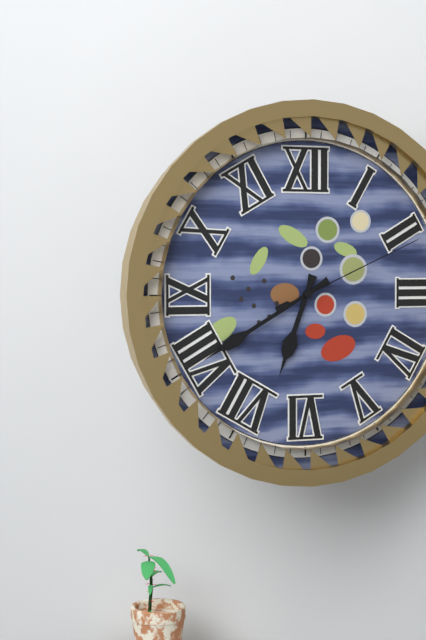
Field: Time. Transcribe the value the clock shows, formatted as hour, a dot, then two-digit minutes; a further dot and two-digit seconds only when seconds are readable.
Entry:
6.40.11
